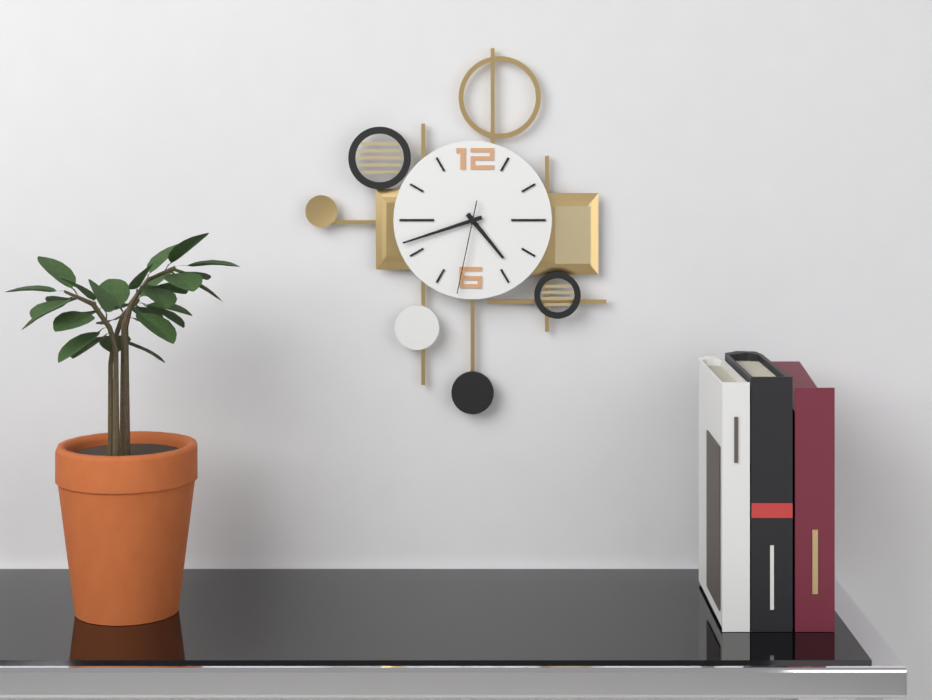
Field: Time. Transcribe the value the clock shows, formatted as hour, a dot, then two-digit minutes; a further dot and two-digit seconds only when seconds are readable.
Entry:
4.42.32
